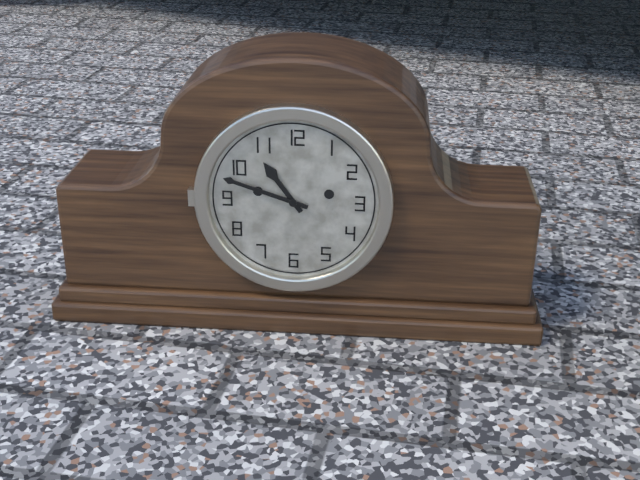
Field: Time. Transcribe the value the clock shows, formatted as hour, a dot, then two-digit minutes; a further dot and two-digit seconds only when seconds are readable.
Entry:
10.48
